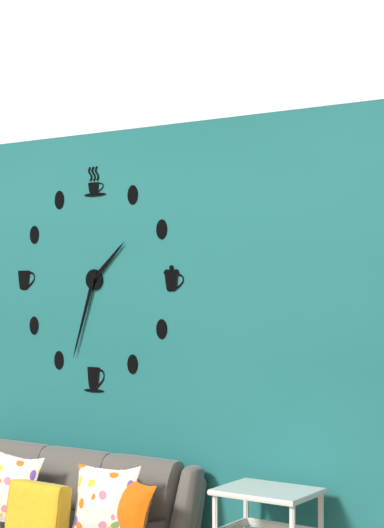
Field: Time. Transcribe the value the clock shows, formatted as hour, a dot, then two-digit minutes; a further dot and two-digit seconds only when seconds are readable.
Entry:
1.33
